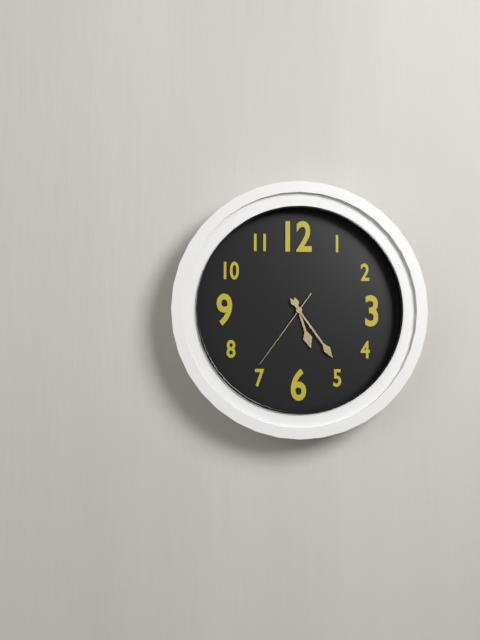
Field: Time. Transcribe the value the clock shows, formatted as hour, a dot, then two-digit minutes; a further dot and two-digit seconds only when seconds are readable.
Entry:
5.24.36
